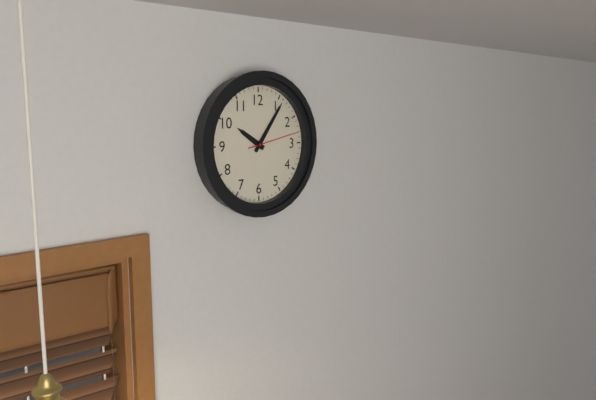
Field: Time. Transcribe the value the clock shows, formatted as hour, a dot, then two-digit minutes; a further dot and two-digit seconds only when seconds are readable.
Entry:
10.06.13
